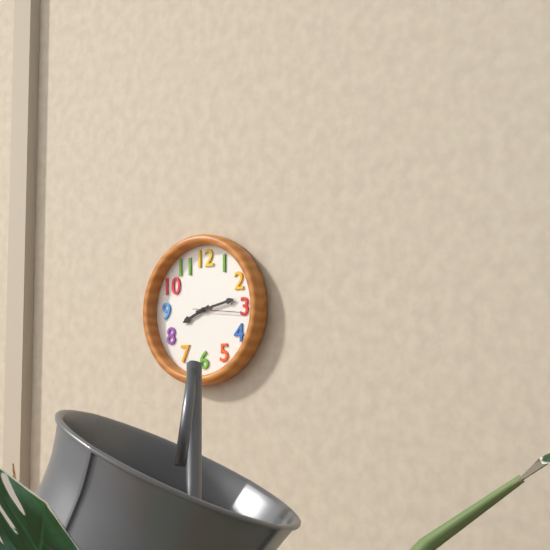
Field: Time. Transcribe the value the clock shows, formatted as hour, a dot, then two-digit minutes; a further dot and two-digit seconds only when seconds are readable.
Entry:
8.13
